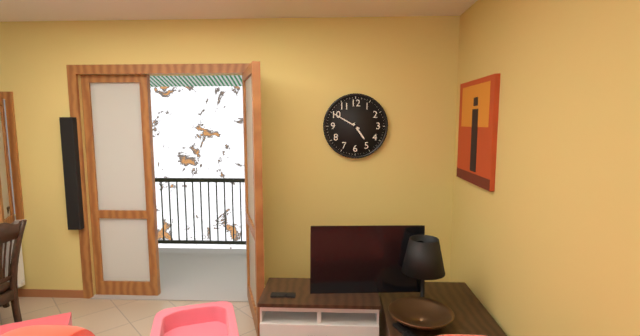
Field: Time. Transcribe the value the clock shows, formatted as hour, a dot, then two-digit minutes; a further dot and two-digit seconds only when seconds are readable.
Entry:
4.50
